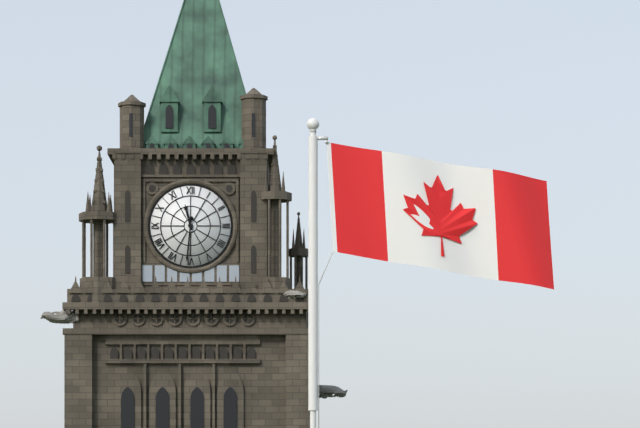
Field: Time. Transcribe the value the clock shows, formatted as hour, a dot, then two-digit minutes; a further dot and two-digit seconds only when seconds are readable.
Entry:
11.31
